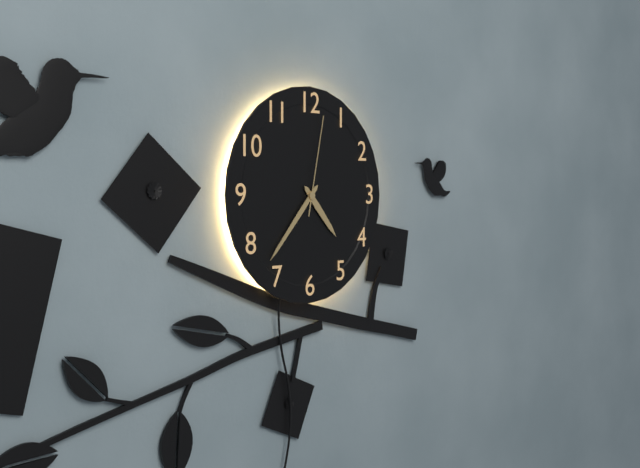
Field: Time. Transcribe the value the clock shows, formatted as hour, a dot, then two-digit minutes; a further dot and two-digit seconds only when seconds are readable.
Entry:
4.37.02
